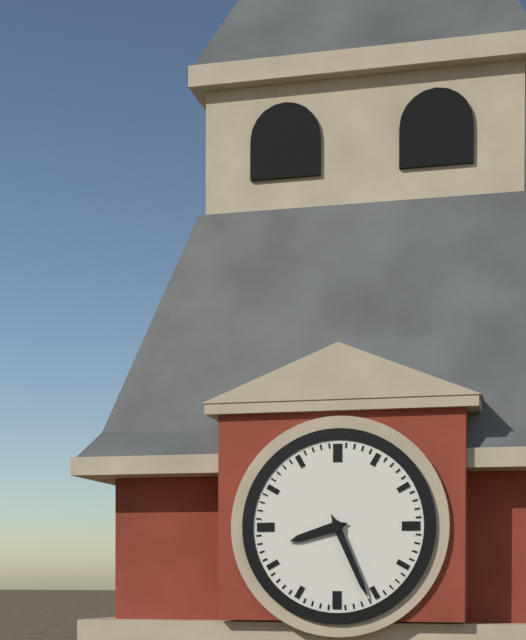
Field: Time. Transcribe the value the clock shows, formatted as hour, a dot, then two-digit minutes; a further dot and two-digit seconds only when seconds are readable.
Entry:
8.26
